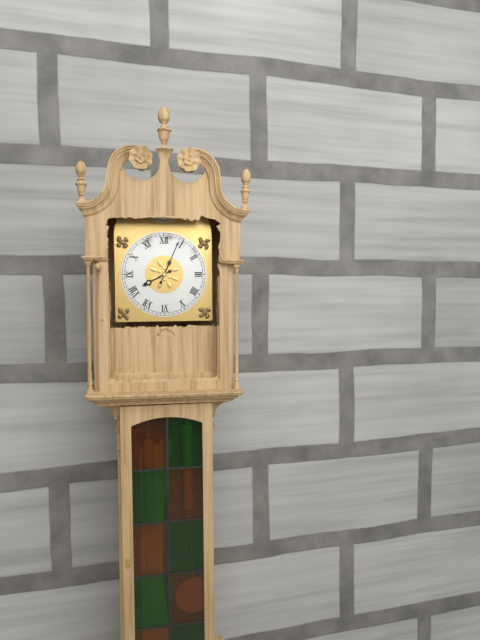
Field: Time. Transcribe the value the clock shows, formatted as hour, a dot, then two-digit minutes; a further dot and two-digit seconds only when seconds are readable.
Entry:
8.04
